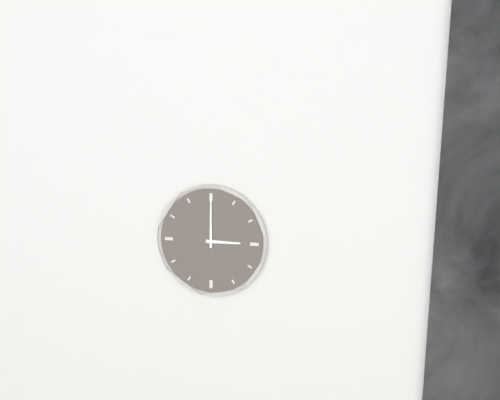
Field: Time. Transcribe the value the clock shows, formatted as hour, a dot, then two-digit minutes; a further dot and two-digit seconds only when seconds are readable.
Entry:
3.00
